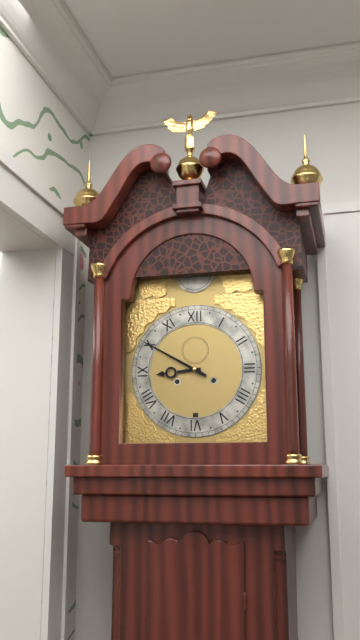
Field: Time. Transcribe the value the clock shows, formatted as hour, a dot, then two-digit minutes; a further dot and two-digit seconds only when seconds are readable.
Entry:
8.50
